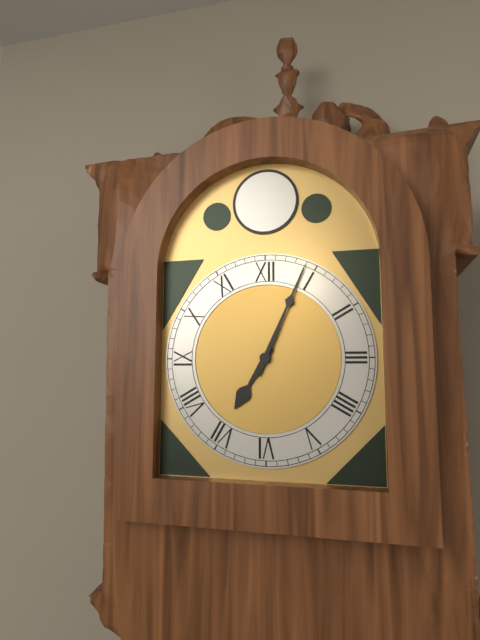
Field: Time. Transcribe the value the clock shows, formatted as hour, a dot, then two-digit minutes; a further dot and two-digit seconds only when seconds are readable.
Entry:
7.04
